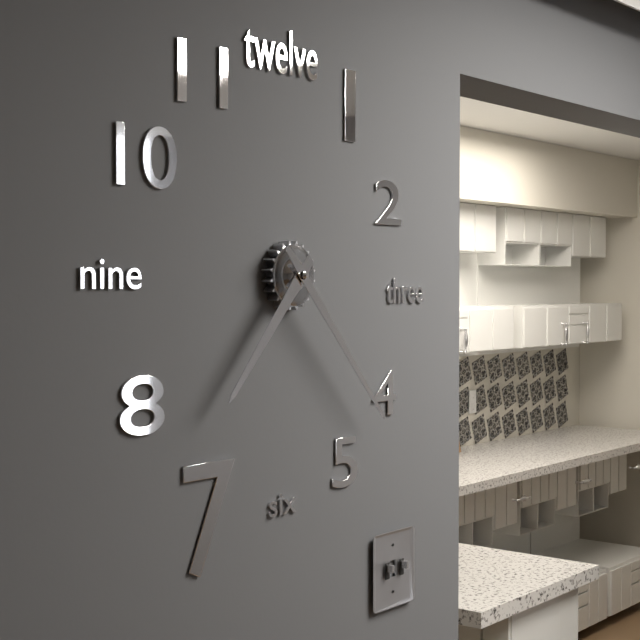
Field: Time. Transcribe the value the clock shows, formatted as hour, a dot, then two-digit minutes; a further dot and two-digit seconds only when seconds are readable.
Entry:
7.23
